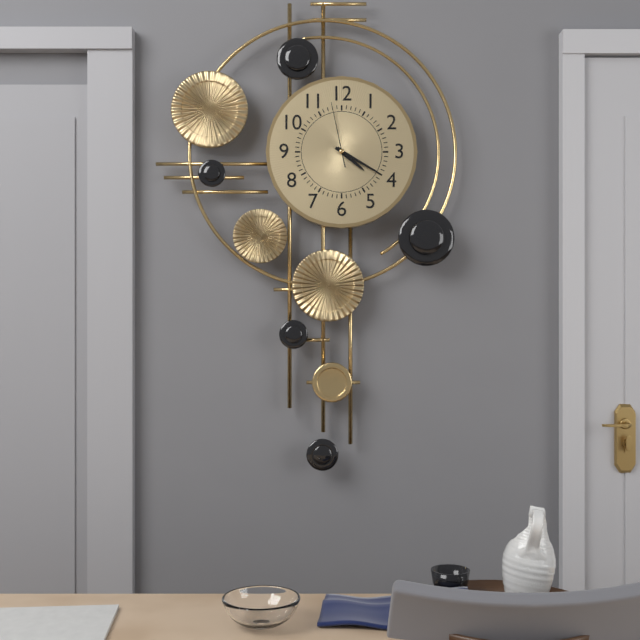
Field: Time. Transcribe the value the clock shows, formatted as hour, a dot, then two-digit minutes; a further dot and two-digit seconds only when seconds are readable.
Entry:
4.20.58
